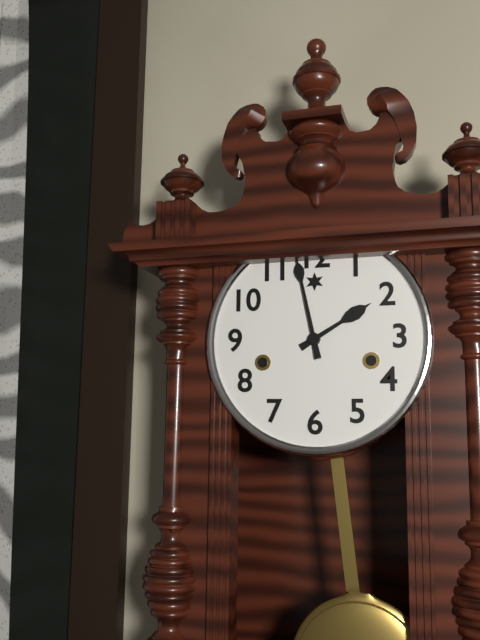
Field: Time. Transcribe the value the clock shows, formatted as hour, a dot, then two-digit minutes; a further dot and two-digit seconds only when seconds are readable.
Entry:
1.58
